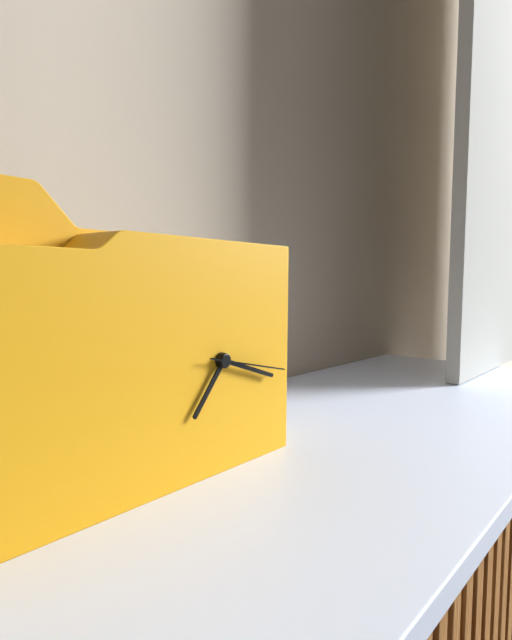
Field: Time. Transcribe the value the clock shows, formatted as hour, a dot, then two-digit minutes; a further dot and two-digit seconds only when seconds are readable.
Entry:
7.18.17
